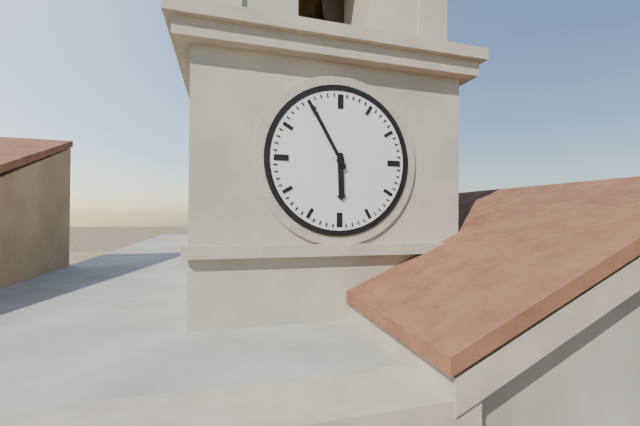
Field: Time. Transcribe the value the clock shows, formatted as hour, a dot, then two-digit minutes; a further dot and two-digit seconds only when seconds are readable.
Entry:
5.55
